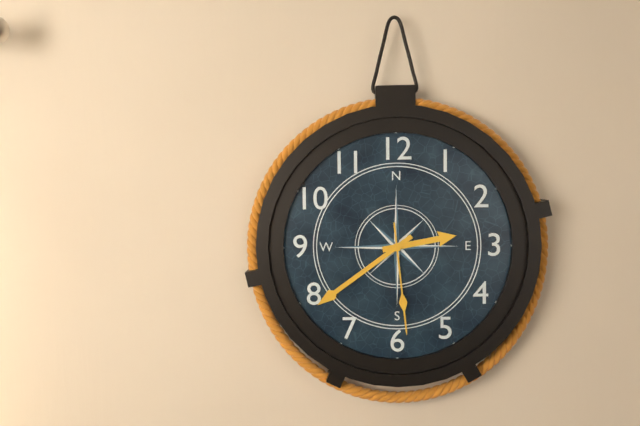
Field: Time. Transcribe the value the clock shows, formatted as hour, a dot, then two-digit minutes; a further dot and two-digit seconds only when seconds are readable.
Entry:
2.39.29
